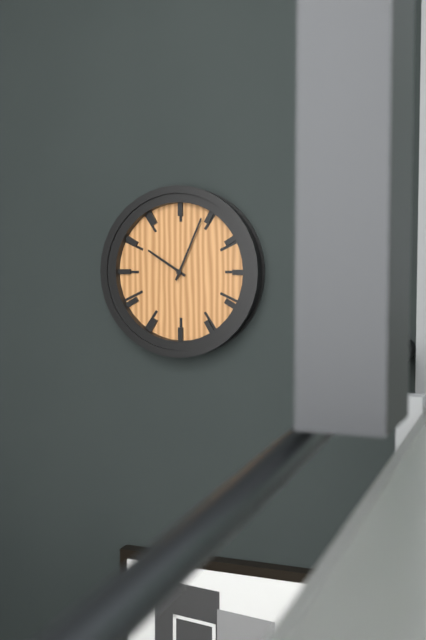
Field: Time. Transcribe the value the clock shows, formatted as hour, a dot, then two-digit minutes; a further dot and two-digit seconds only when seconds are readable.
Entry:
10.04
